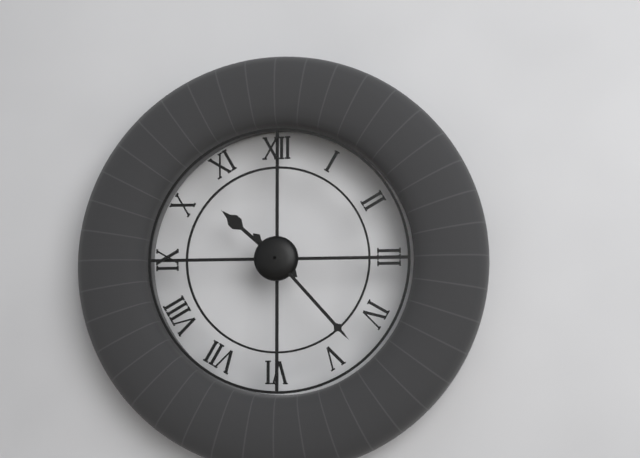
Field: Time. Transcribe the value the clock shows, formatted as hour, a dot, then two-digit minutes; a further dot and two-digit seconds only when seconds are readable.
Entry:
10.23
